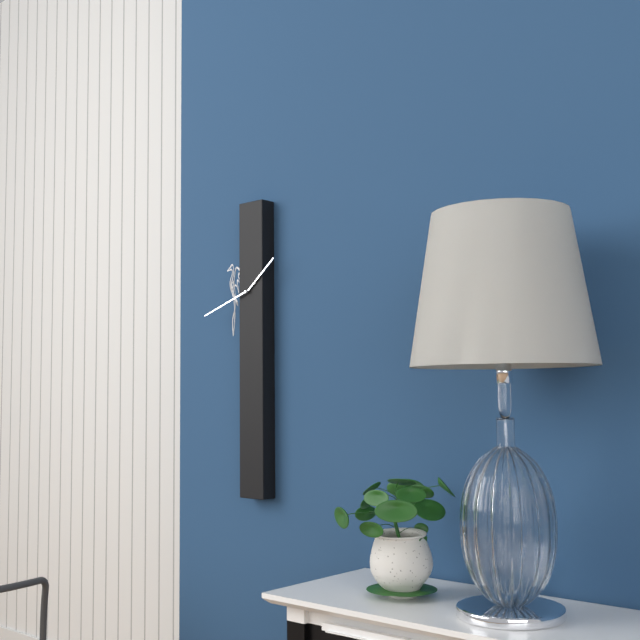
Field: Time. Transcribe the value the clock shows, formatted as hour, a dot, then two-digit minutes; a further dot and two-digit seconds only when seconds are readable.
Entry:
1.42
